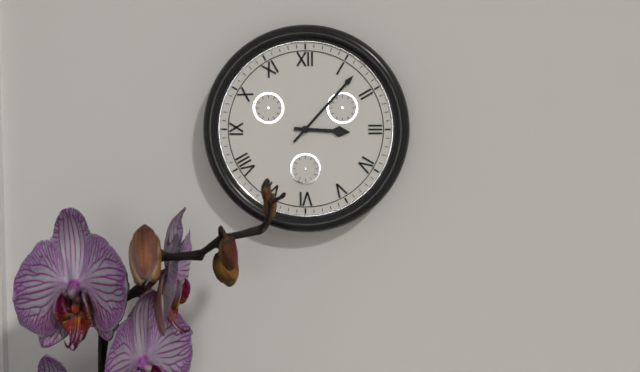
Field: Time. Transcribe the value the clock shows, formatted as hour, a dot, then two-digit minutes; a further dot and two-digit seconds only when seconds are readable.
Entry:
3.07
